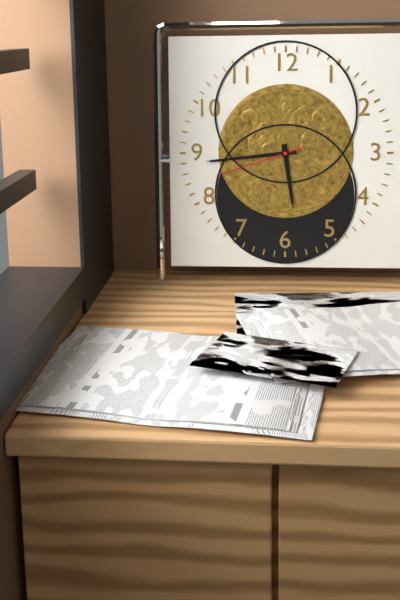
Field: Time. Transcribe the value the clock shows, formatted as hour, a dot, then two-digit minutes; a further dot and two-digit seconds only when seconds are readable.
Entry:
5.44.42
